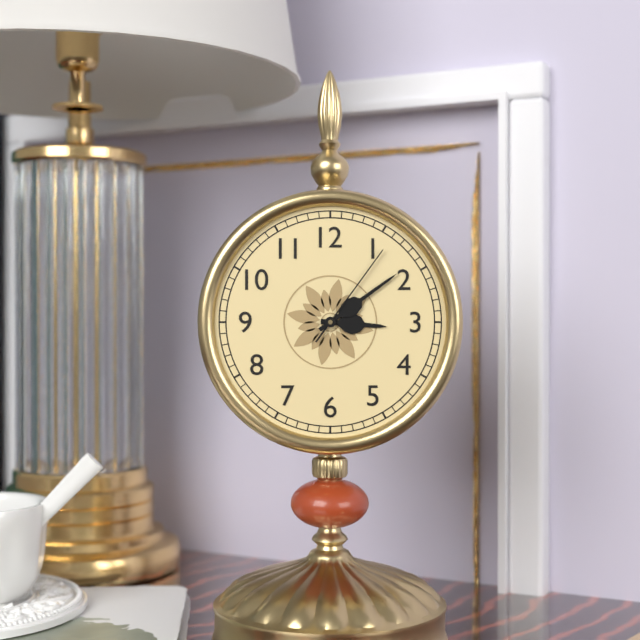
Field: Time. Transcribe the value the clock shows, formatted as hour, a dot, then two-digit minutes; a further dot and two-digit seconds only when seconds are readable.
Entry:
3.09.06
